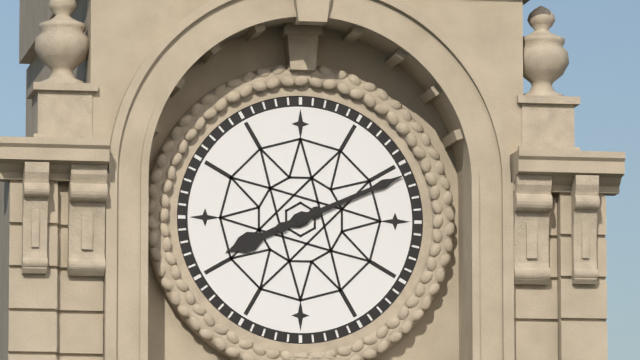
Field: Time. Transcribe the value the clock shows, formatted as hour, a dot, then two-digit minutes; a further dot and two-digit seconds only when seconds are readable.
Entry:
8.11
